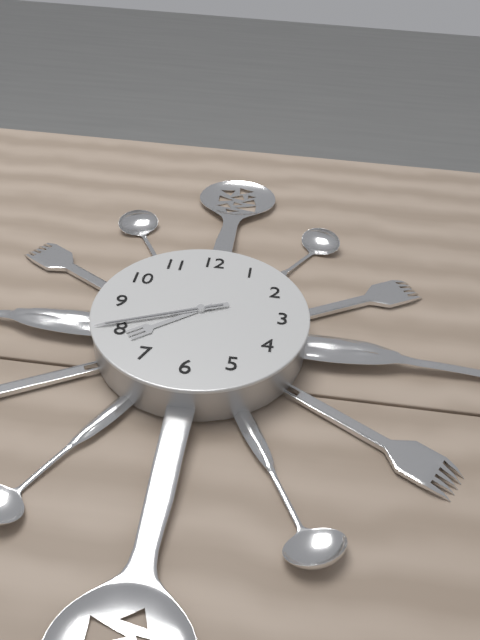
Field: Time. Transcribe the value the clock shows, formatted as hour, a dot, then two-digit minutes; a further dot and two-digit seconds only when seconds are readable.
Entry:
7.41.41
